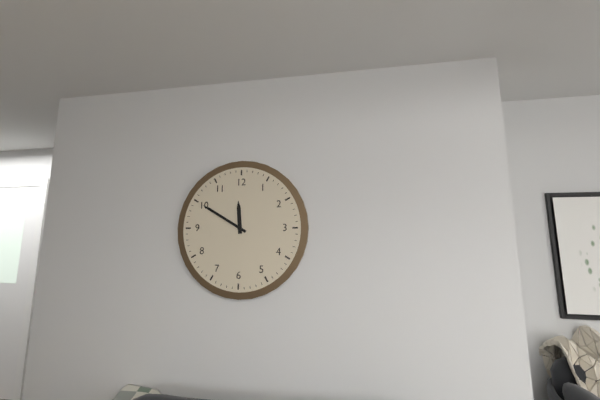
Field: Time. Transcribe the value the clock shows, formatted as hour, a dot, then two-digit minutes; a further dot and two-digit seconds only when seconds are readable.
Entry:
11.50
